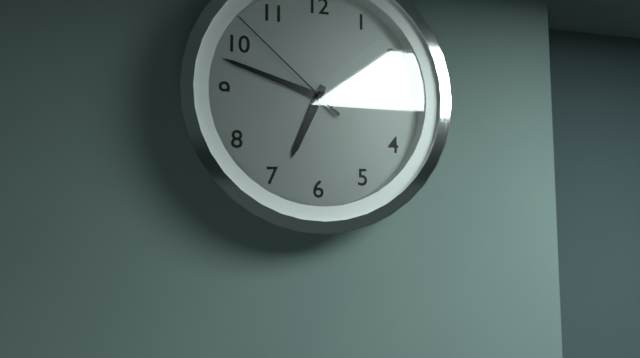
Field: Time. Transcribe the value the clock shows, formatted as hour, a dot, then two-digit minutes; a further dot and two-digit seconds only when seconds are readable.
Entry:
6.48.52
